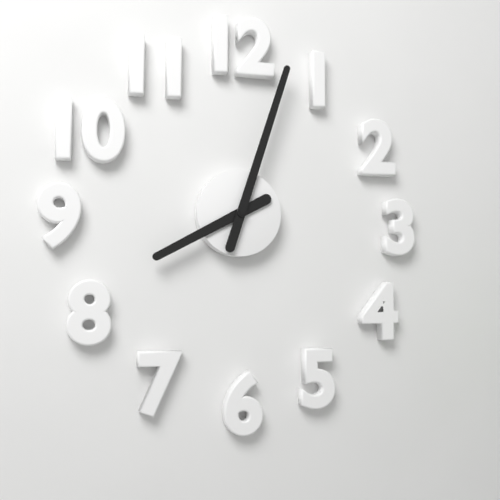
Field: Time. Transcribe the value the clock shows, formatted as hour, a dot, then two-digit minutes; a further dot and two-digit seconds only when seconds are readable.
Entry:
8.03
